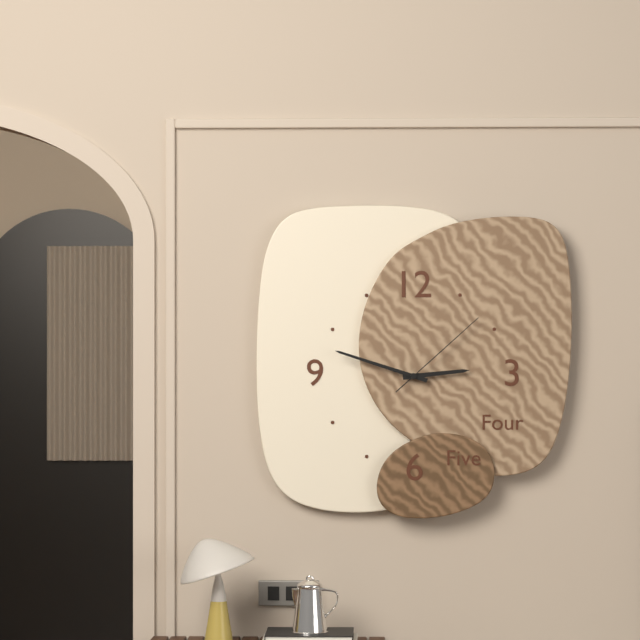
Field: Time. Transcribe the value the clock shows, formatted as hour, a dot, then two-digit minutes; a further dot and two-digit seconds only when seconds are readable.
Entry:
2.48.08
